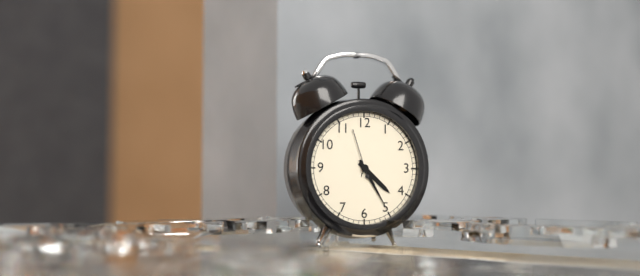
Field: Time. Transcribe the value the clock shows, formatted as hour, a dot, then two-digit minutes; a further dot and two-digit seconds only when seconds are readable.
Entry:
4.25.57
